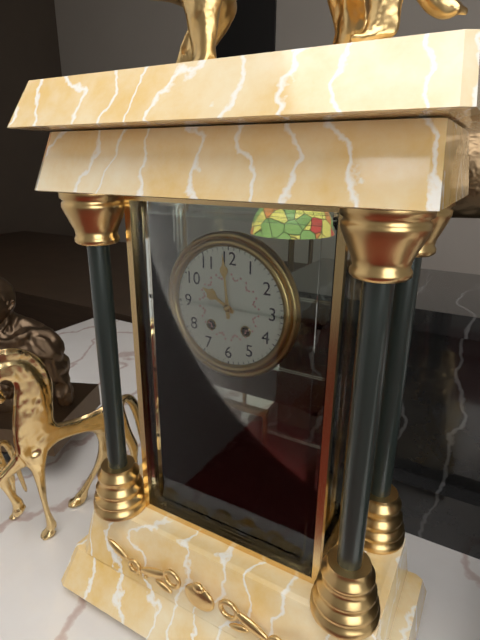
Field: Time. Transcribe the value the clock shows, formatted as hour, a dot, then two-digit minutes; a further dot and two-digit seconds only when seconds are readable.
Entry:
9.59
